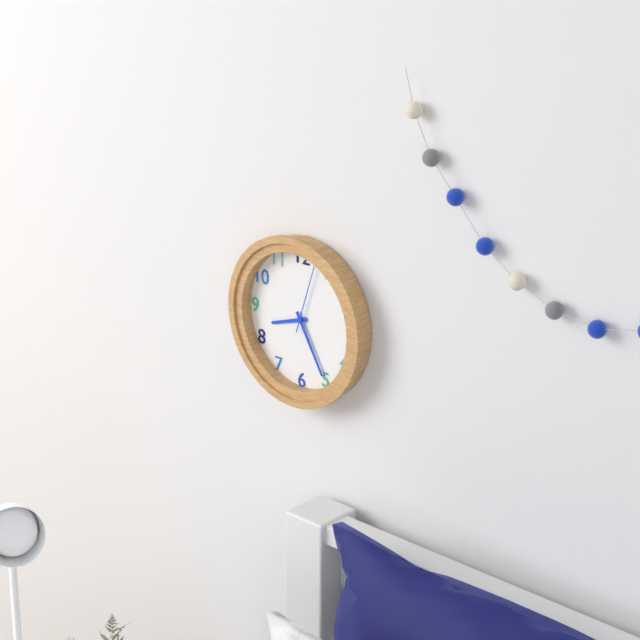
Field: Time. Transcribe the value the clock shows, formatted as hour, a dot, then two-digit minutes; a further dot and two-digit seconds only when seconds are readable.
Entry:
8.25.03
